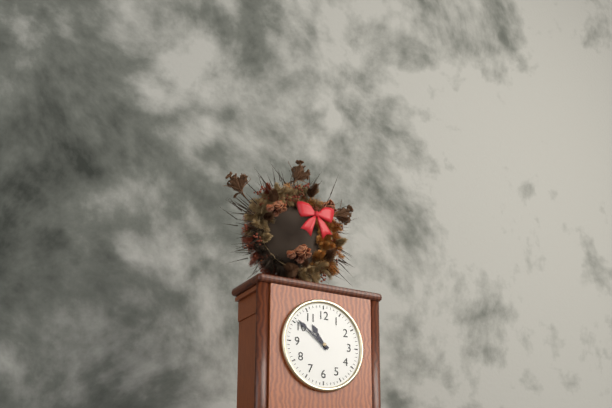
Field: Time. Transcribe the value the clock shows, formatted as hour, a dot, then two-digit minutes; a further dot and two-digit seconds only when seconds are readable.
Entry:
10.51
